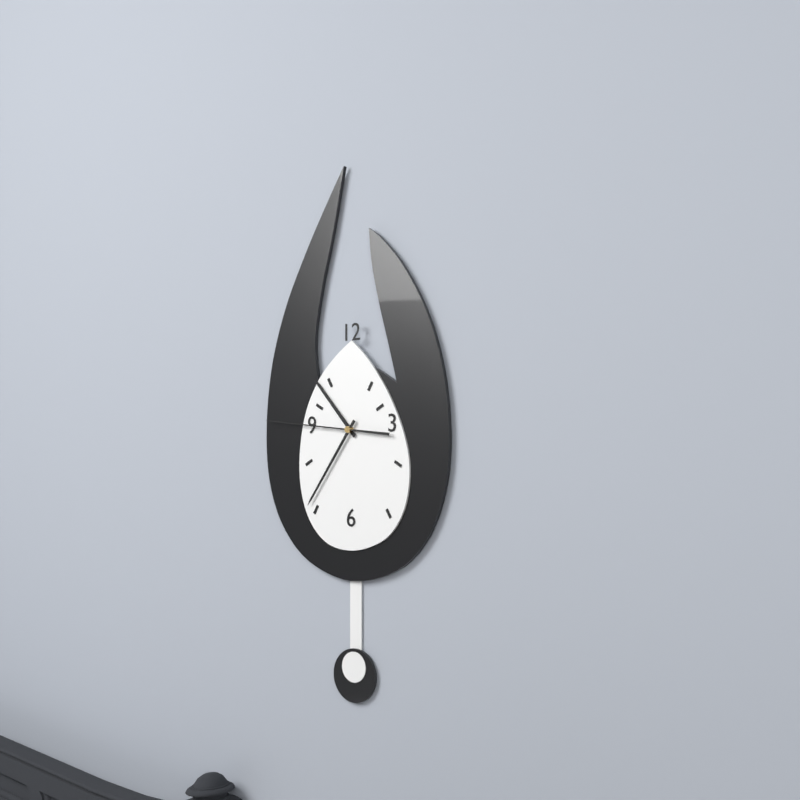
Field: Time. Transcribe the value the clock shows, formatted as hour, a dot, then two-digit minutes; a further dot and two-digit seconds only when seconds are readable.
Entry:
10.36.46
